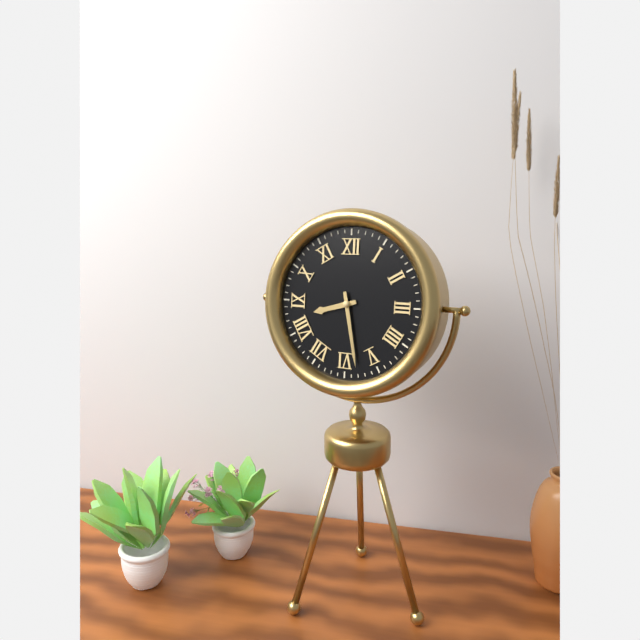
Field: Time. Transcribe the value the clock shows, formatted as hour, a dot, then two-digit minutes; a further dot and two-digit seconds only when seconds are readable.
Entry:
8.28
